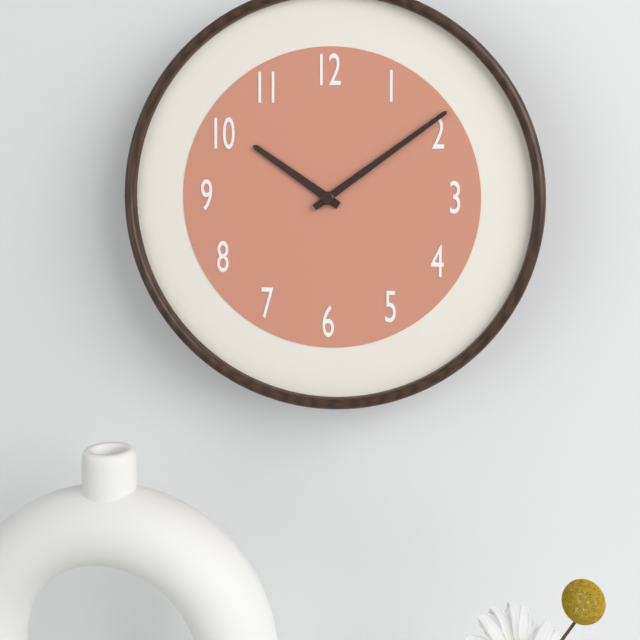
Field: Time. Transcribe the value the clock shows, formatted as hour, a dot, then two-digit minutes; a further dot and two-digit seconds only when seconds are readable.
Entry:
10.09
